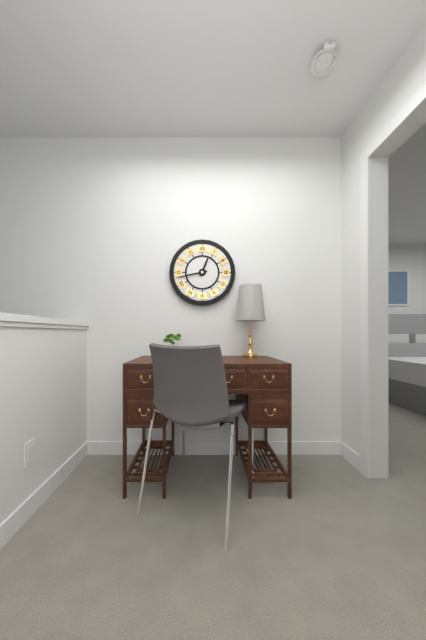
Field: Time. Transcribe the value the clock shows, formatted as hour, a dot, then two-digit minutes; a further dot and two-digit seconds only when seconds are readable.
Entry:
12.43
